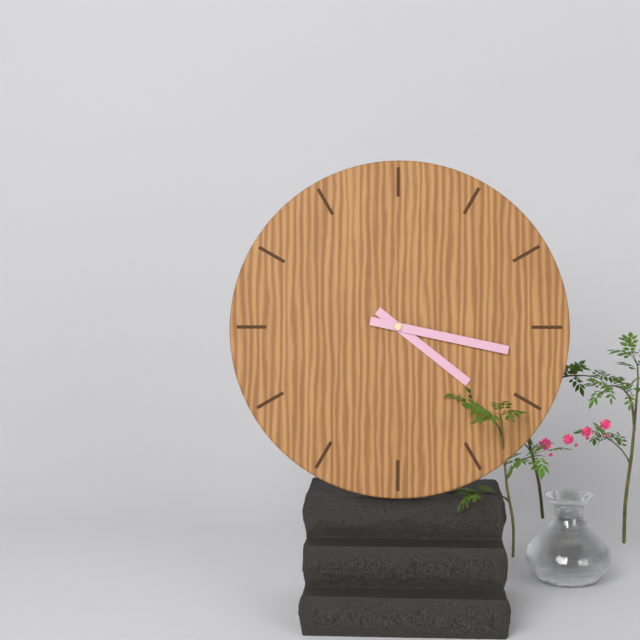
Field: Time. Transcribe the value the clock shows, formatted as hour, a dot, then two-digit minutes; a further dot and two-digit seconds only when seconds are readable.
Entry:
4.17
